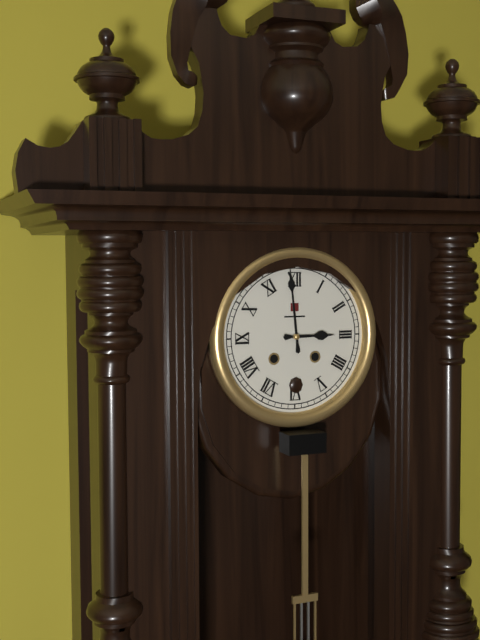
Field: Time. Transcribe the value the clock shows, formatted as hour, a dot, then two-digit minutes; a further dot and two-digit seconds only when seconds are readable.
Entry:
2.59
